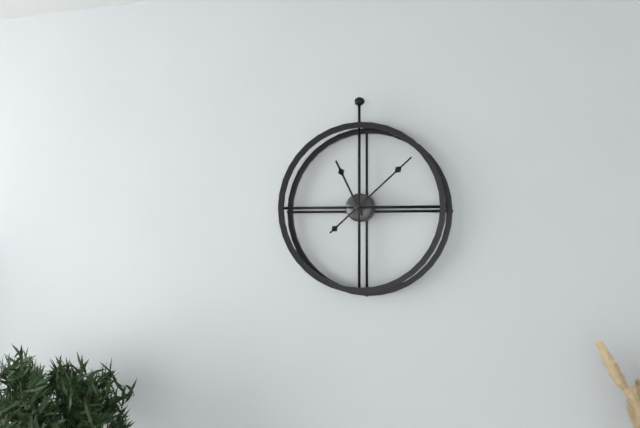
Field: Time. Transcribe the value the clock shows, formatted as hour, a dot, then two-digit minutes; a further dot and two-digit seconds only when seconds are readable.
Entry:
11.08
